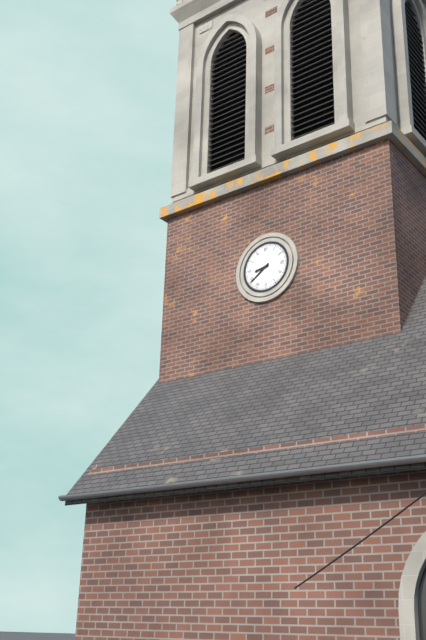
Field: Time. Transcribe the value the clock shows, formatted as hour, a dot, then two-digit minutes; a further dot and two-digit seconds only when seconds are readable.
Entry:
8.39
